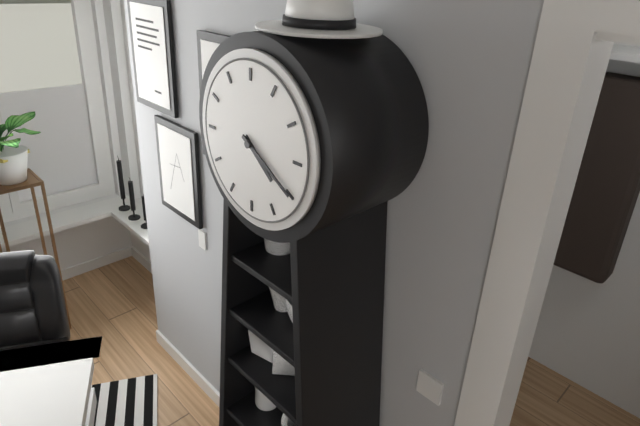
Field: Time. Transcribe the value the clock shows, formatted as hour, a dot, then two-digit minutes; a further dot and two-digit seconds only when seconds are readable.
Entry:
4.20
